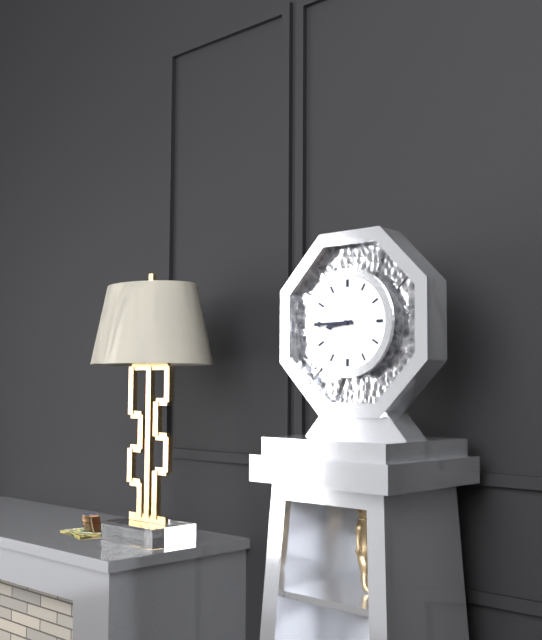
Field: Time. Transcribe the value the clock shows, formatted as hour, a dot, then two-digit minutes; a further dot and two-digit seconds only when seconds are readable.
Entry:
8.45
